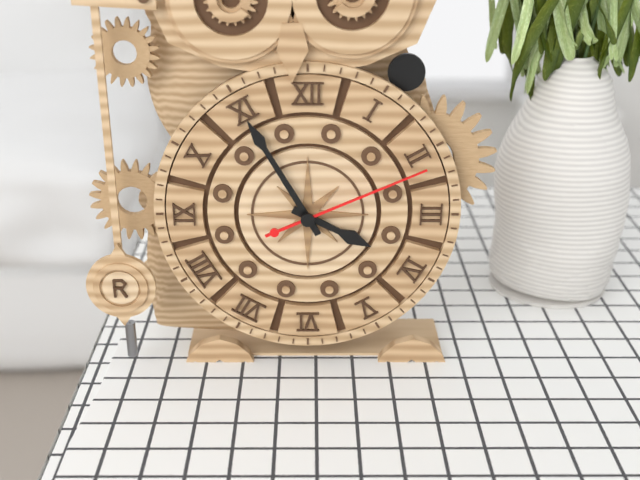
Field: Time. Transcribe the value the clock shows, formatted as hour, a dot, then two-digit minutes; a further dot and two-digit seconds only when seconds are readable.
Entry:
3.55.11
